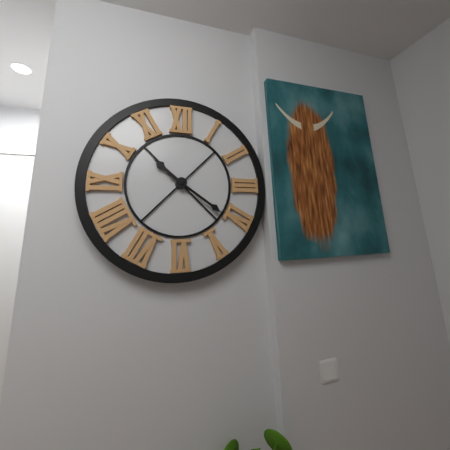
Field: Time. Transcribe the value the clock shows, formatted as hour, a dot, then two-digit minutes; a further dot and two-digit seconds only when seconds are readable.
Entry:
10.21
